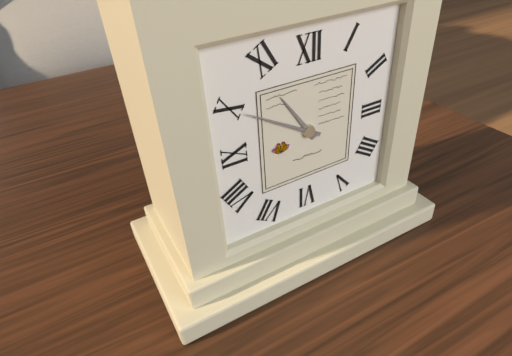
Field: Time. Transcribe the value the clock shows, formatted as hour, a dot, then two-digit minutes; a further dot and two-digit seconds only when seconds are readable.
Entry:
10.50
